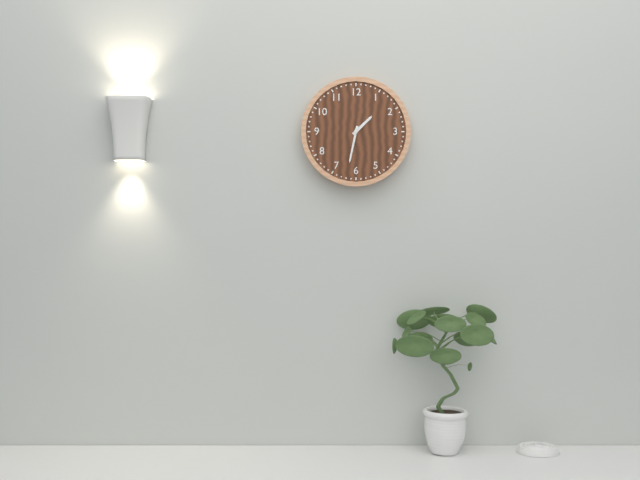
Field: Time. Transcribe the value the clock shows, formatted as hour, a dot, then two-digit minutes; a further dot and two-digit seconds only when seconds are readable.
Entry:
1.32
